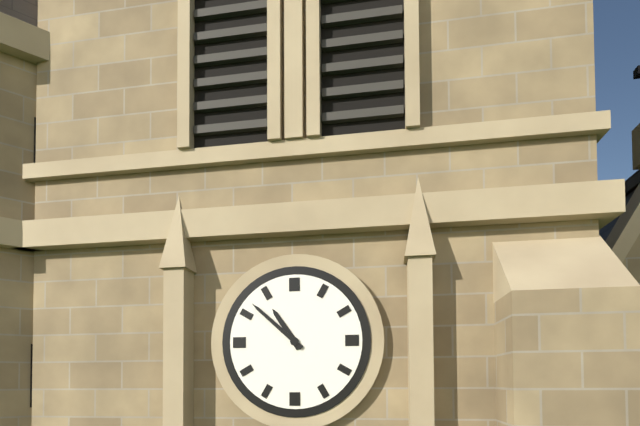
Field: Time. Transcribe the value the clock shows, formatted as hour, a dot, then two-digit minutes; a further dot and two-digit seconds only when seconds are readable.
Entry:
10.52
